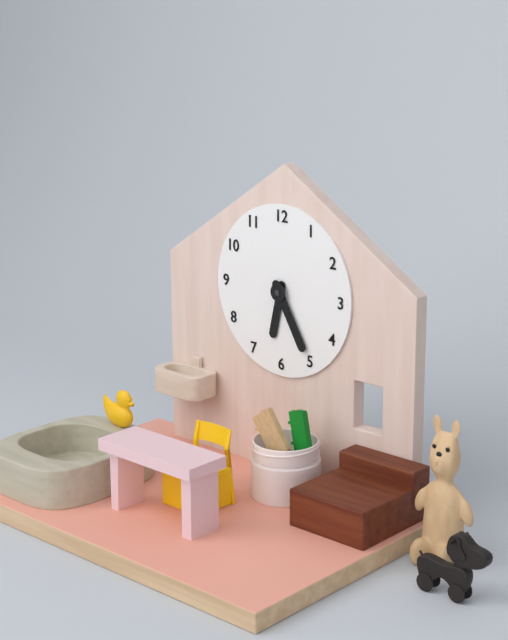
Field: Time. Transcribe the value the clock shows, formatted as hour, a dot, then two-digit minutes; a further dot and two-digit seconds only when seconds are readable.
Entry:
6.25
